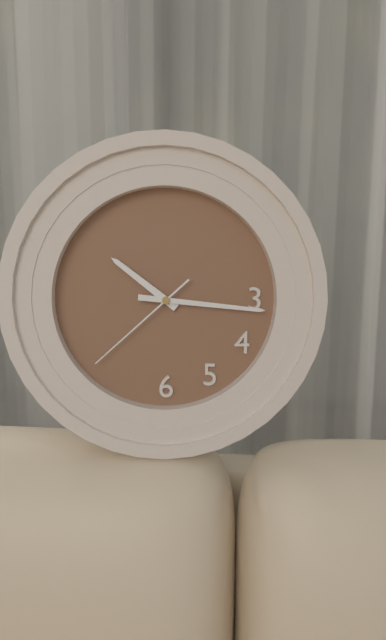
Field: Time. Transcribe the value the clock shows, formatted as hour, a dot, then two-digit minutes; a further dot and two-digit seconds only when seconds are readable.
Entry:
10.16.38
